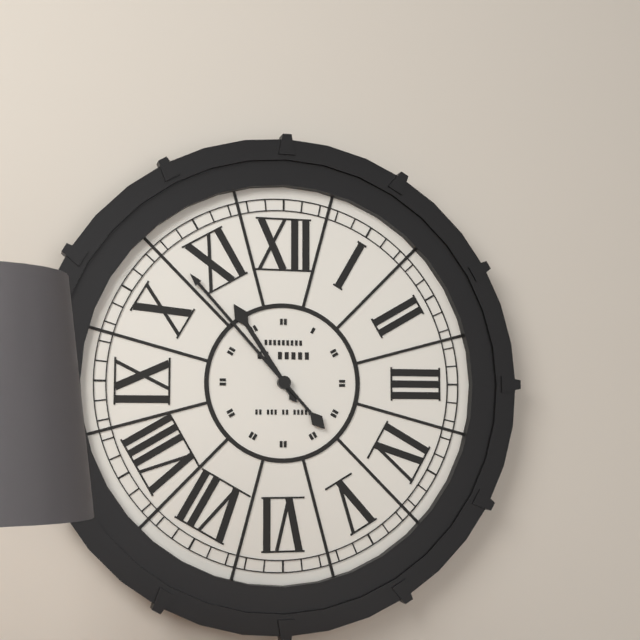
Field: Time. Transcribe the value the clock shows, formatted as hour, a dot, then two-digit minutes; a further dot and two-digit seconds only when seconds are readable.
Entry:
10.53
